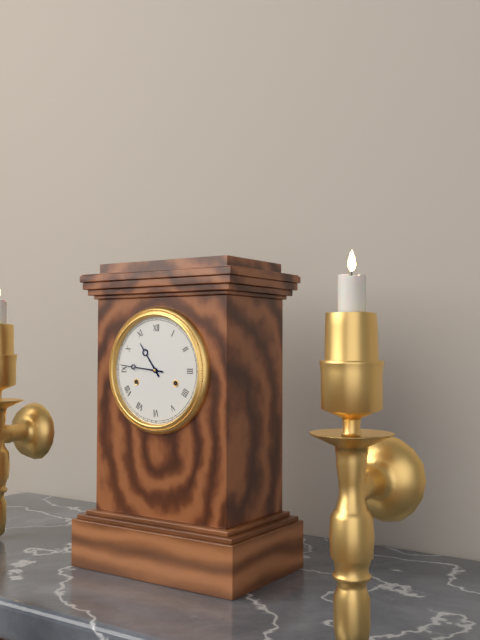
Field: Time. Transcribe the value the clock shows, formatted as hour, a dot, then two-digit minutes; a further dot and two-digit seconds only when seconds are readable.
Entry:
10.46
